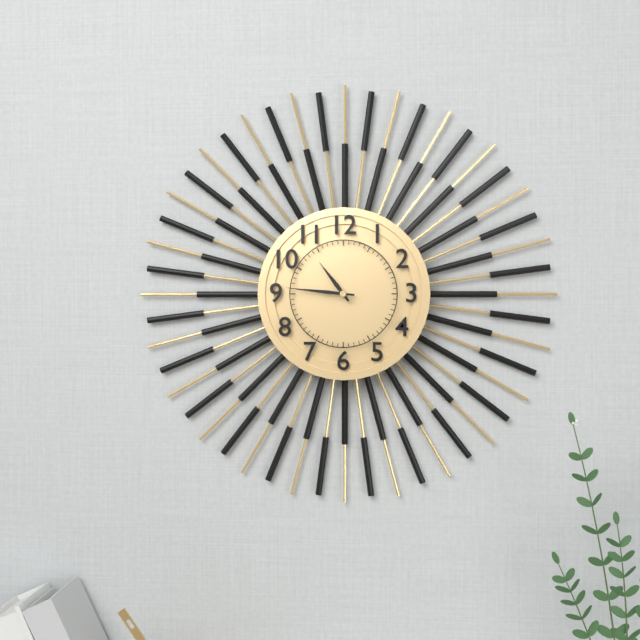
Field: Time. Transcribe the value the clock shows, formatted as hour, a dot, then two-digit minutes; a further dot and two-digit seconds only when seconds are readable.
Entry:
10.46
